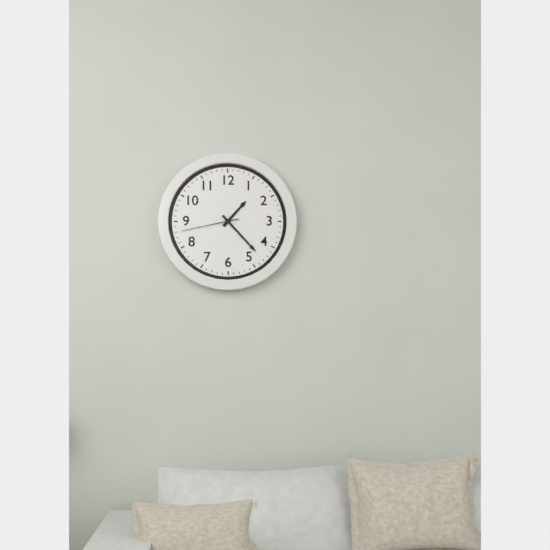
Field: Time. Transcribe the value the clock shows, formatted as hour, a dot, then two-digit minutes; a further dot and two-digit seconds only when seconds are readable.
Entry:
1.23.43
